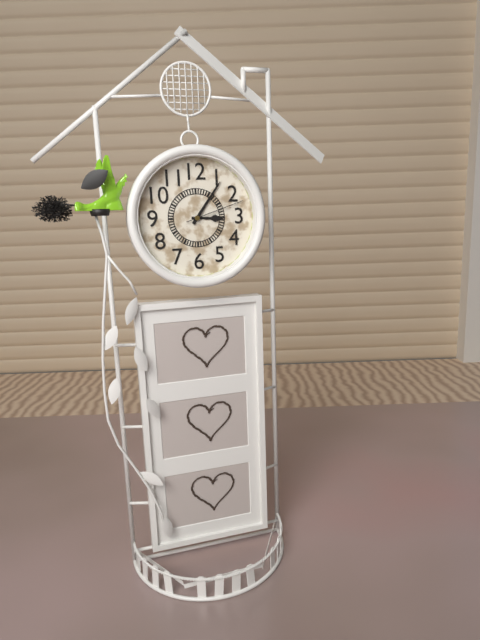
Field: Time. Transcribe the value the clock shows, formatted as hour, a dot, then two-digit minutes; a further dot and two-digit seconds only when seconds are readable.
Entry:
3.06.12
